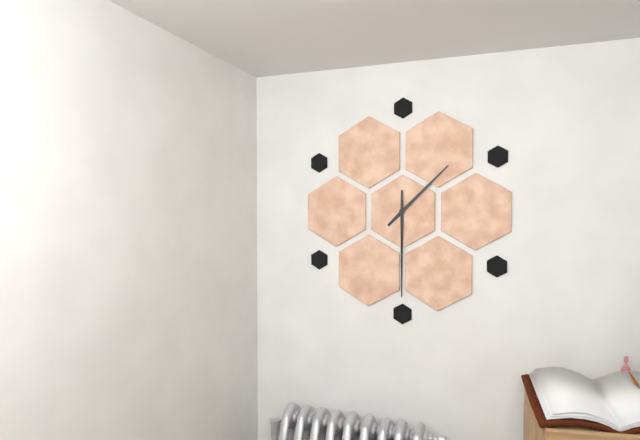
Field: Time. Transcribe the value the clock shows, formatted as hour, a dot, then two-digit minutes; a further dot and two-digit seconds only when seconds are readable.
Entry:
1.30
